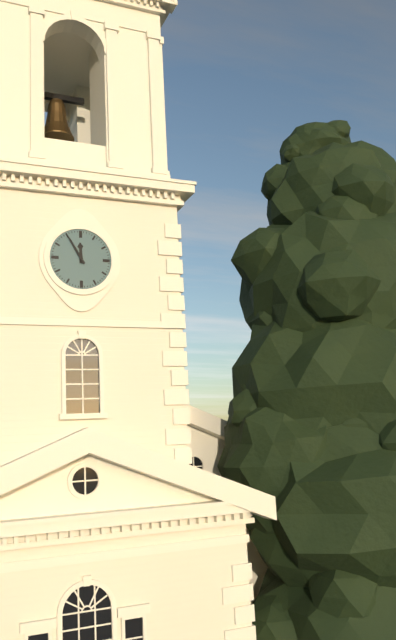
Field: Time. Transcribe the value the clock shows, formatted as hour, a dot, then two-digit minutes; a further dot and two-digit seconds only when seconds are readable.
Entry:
11.55
